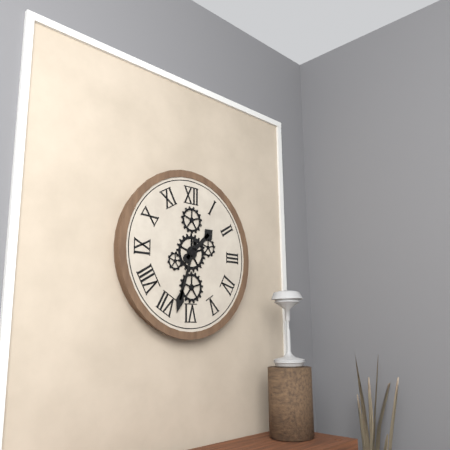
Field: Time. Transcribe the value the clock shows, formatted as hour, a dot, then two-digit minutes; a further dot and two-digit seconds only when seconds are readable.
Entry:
1.33
